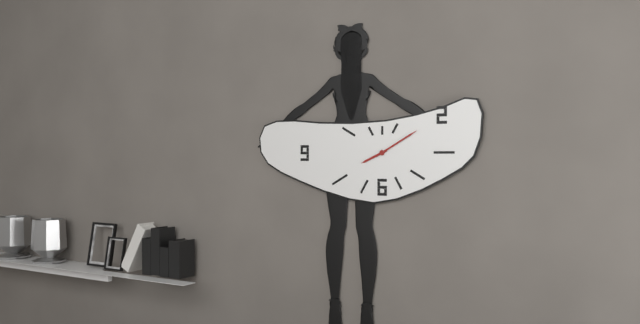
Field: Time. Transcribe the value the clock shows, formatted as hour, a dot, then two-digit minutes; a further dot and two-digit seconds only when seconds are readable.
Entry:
8.10
